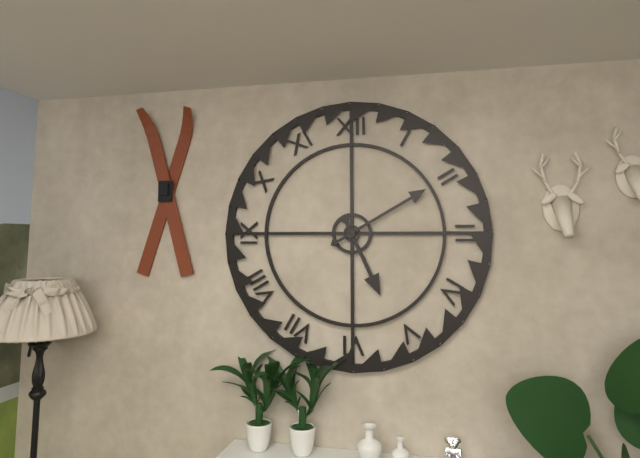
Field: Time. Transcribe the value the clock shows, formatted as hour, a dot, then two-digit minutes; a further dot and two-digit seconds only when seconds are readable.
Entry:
5.10
